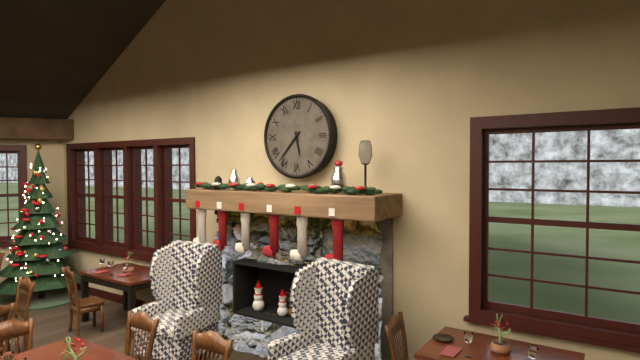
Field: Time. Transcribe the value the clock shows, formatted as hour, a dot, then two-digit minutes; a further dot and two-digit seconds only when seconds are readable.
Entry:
5.37
